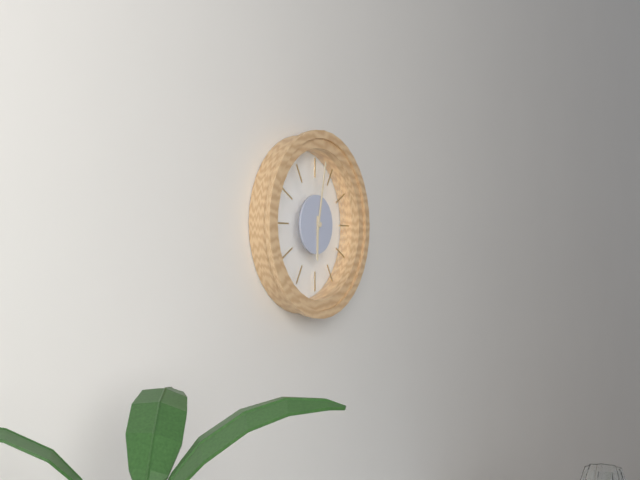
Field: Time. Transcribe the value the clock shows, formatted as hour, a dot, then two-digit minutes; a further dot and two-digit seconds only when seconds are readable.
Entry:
6.02
